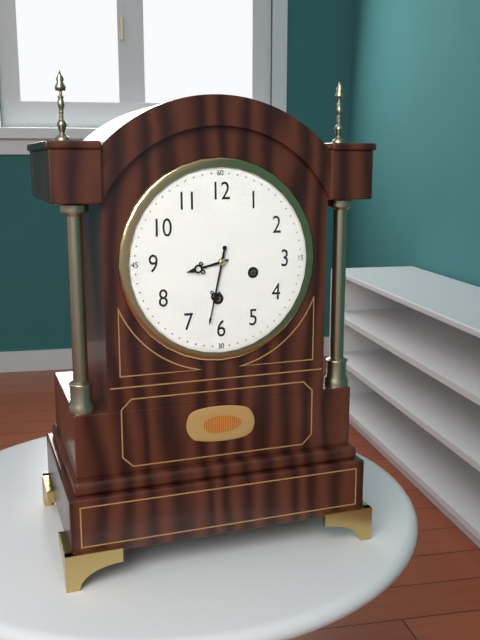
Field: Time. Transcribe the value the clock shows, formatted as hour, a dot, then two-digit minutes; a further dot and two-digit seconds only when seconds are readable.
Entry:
8.32
